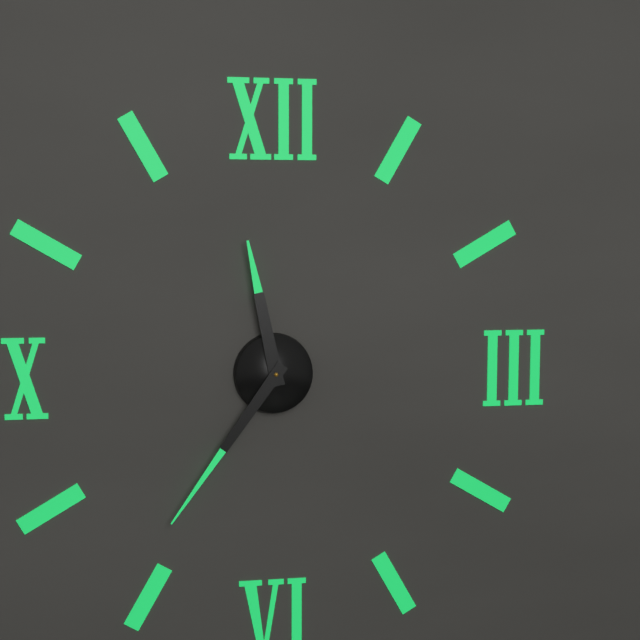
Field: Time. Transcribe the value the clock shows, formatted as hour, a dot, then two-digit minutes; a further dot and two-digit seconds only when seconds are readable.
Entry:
11.36
